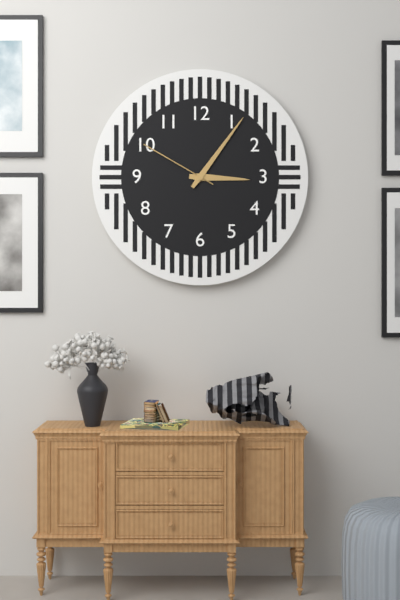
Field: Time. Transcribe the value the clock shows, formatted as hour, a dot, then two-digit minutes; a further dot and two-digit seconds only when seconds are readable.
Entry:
3.06.50
